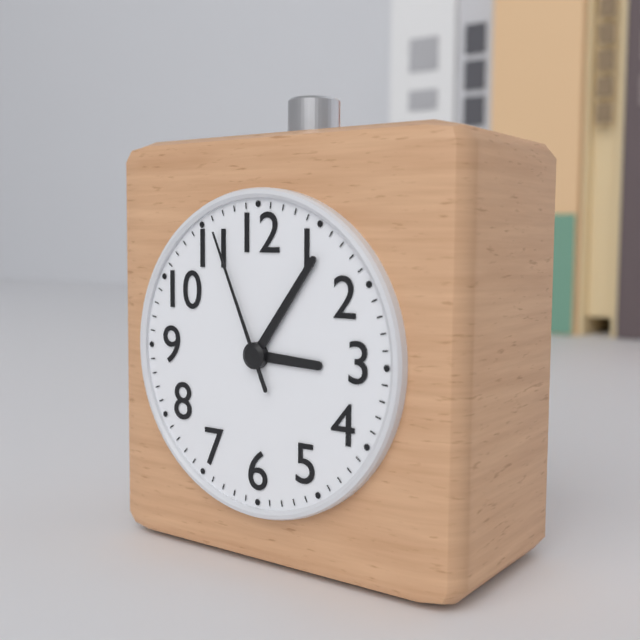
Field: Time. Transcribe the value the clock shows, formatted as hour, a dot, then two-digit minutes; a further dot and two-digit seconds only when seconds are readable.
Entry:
3.06.56
